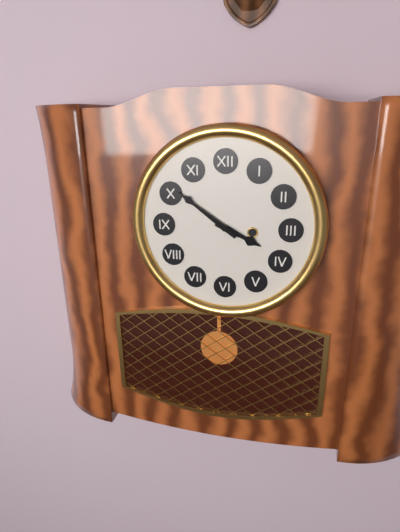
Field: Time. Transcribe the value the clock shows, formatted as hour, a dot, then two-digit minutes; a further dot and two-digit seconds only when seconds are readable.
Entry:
3.51
